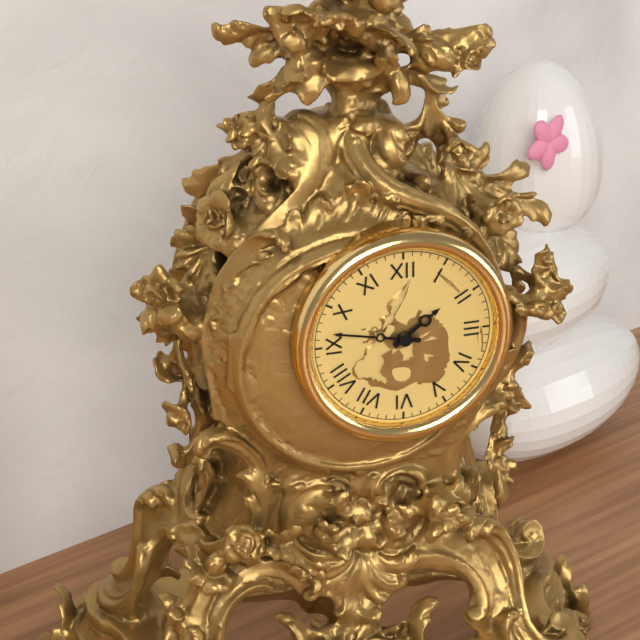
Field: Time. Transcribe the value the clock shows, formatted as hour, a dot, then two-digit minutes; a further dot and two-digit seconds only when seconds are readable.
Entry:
1.47
